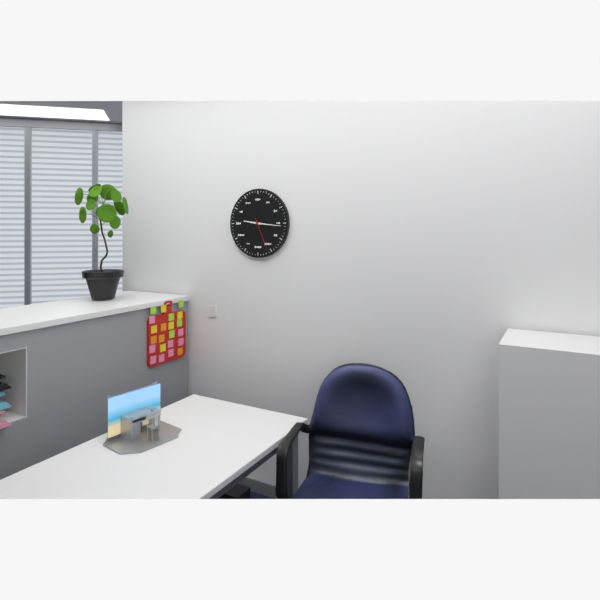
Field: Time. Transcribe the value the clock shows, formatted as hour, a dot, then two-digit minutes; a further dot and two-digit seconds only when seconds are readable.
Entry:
9.16
